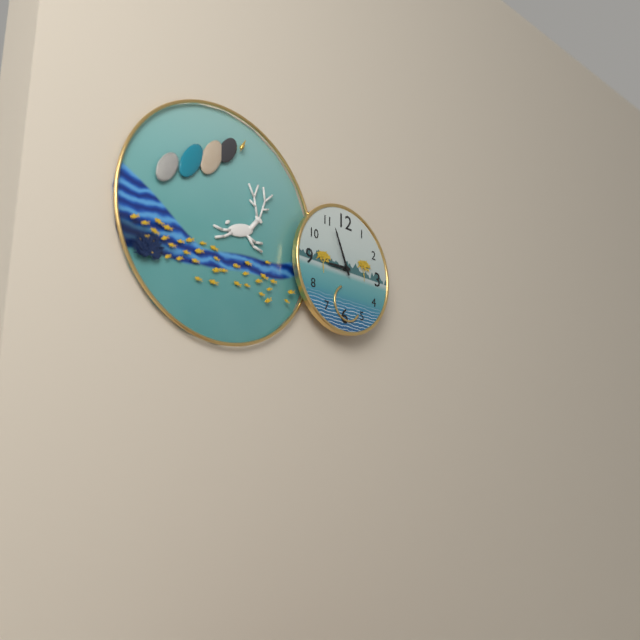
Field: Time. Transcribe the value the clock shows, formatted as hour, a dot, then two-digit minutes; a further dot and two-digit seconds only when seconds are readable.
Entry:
8.56
